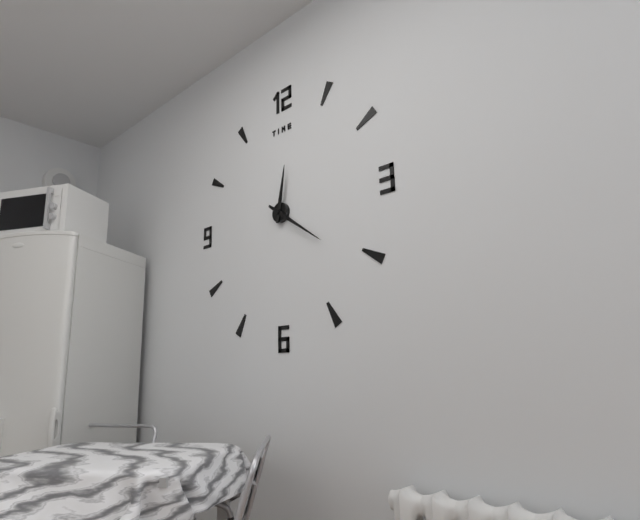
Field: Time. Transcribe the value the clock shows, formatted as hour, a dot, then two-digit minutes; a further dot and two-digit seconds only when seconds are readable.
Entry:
12.21
